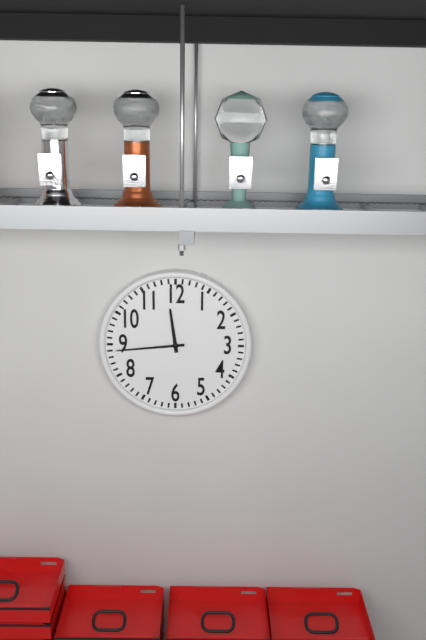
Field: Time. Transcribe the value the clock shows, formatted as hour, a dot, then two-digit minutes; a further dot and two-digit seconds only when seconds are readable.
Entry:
11.44
